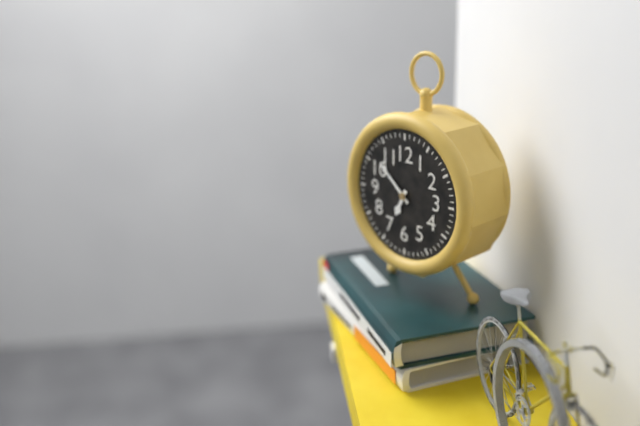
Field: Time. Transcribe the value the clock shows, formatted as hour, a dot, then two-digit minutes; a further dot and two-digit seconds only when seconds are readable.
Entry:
6.52
